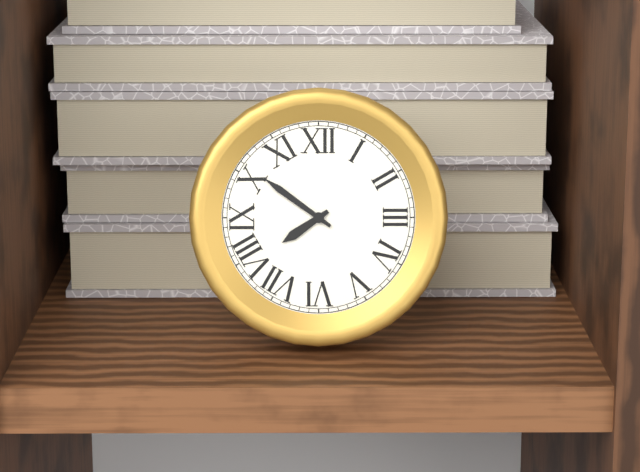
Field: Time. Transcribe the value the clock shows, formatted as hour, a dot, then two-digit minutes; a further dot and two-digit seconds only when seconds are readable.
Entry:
7.51
